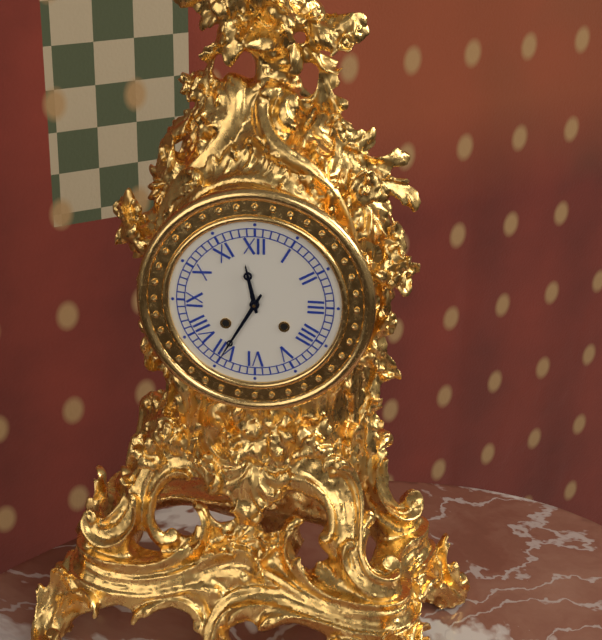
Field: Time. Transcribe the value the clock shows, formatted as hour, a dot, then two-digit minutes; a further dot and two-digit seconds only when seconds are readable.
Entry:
11.35
